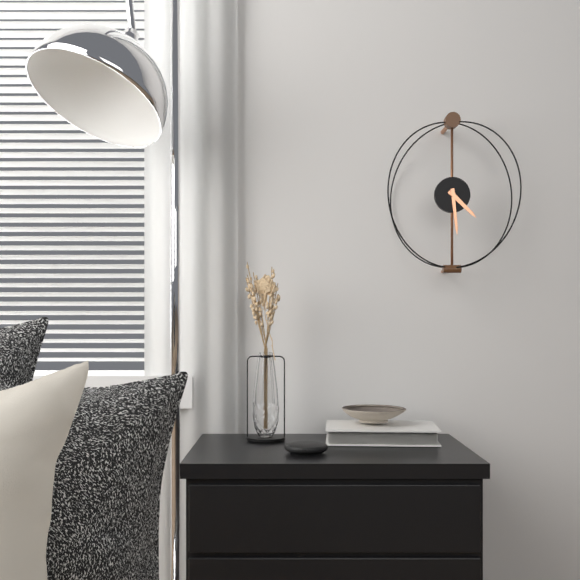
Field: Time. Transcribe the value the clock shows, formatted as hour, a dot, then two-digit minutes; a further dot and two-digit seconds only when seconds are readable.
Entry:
4.29
